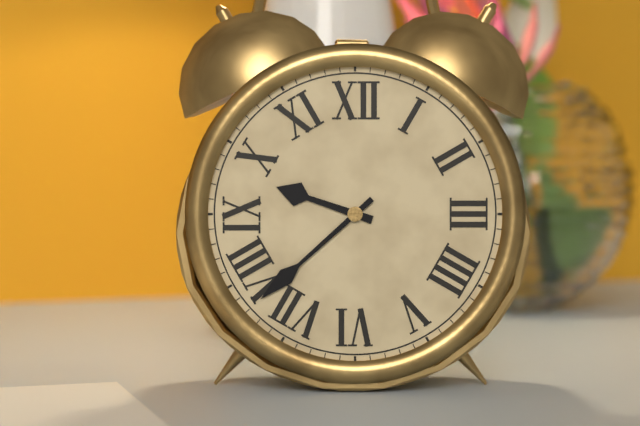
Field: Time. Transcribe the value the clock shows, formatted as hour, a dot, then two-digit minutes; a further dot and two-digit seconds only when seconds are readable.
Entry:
9.38
